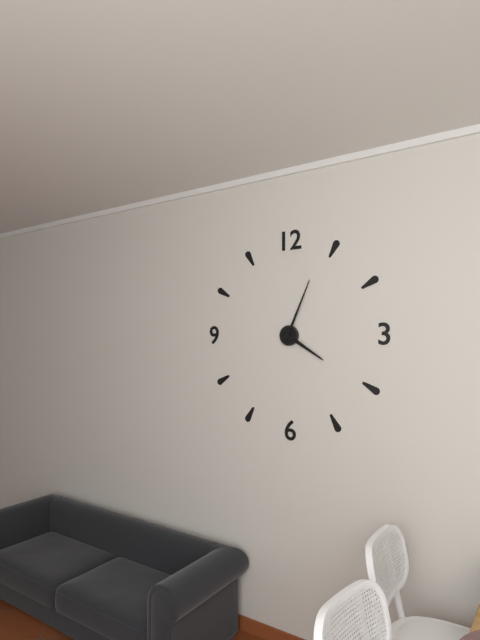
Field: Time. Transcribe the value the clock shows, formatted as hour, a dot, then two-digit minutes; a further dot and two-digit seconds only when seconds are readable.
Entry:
4.04
